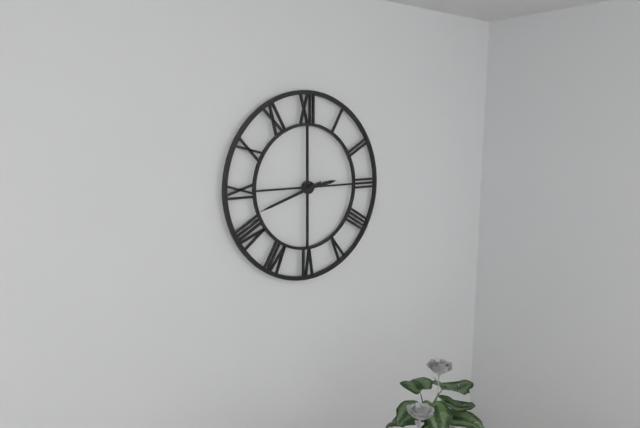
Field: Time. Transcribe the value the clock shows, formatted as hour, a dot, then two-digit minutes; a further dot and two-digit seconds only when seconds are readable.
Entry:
2.42
